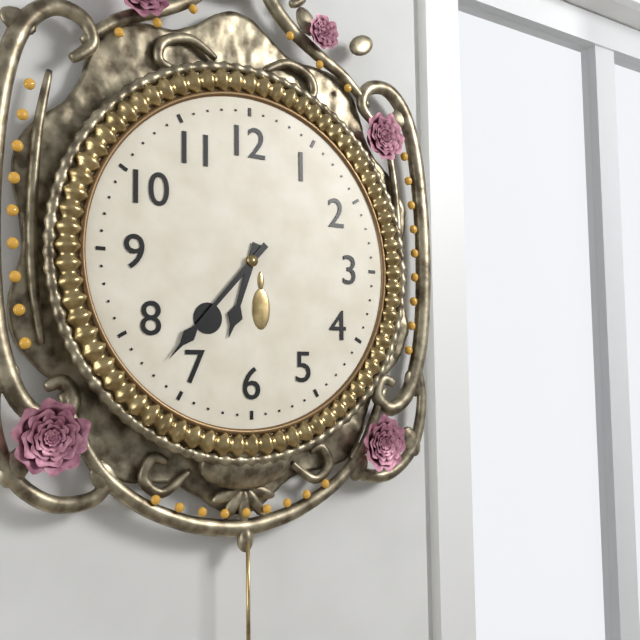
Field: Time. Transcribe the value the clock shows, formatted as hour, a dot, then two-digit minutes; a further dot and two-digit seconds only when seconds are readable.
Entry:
6.37
